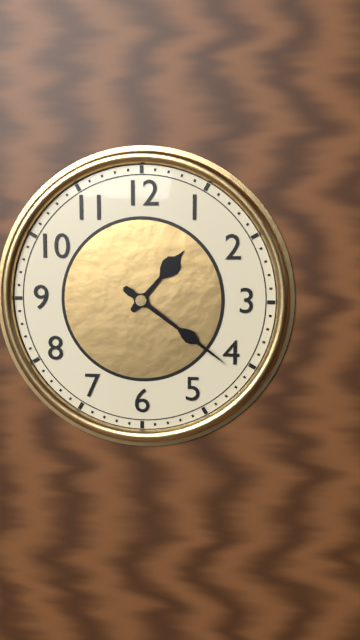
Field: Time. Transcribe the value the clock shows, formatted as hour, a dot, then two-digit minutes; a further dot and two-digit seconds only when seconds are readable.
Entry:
1.21
